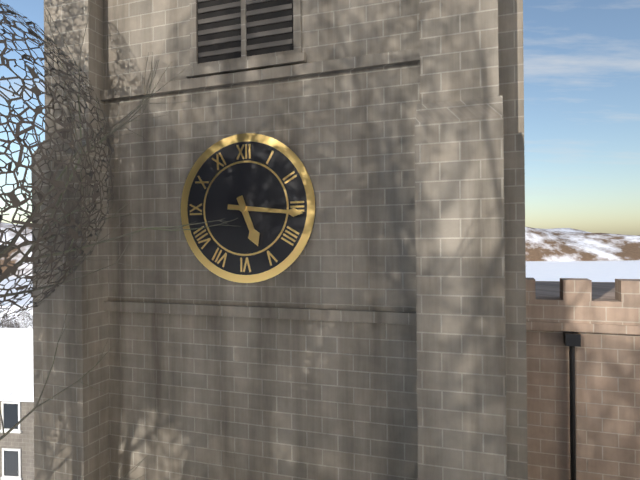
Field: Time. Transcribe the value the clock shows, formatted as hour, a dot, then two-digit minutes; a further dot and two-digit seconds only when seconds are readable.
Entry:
5.16
